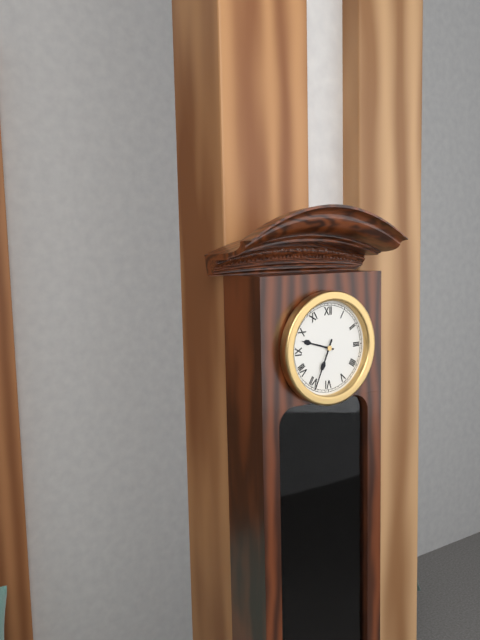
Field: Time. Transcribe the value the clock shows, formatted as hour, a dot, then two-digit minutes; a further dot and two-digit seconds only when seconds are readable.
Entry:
9.34
